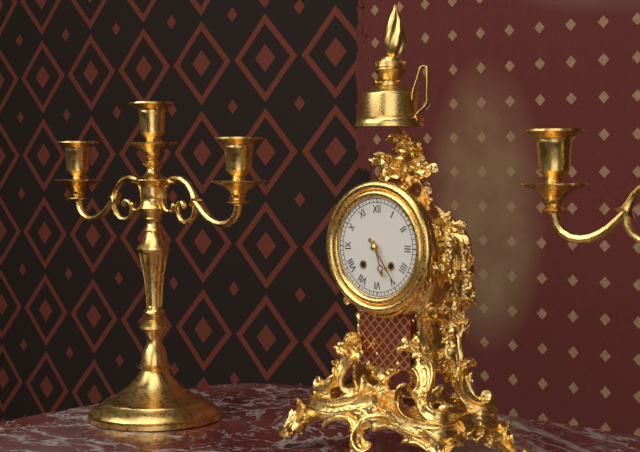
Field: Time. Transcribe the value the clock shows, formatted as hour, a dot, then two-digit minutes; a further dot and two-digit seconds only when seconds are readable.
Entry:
5.24
